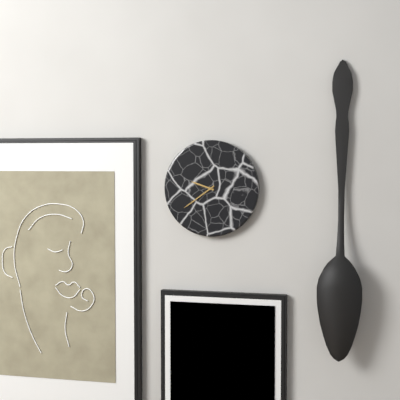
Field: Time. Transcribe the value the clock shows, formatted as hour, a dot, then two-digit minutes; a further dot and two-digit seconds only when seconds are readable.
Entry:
9.39
